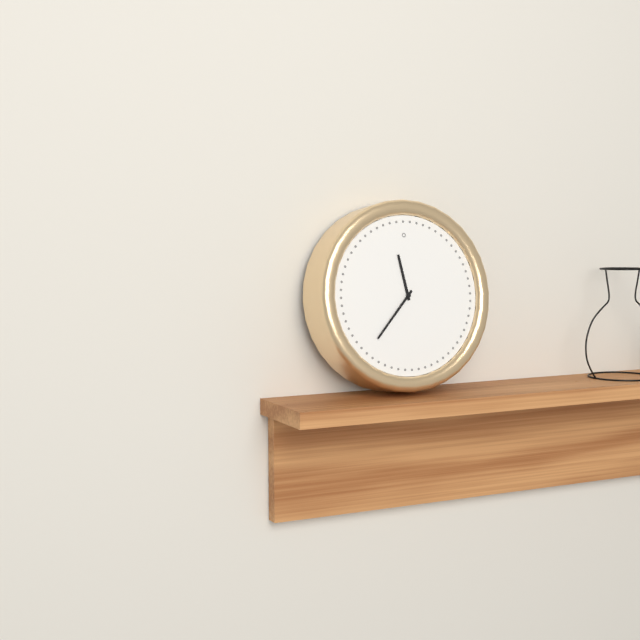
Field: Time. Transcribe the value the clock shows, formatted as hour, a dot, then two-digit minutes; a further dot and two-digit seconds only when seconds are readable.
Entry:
11.37
